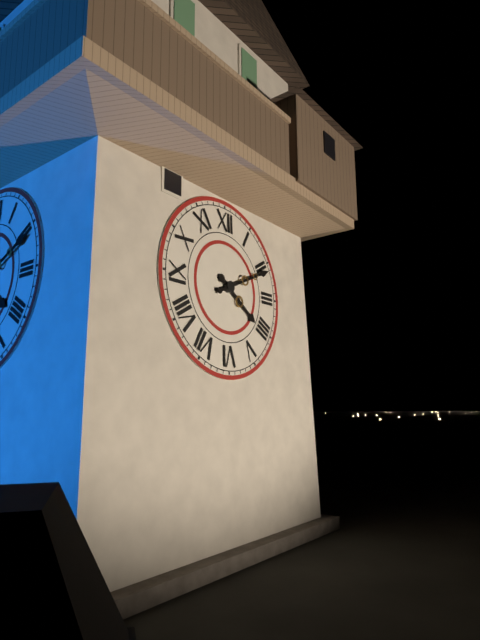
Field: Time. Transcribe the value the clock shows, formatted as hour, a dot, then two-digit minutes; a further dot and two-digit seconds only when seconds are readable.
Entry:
4.11
